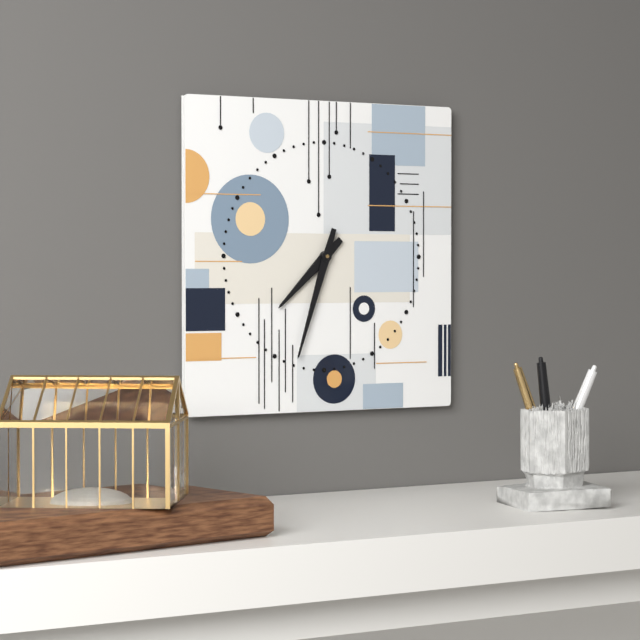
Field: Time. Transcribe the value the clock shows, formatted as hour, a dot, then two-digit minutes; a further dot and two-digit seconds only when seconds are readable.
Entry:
7.33
